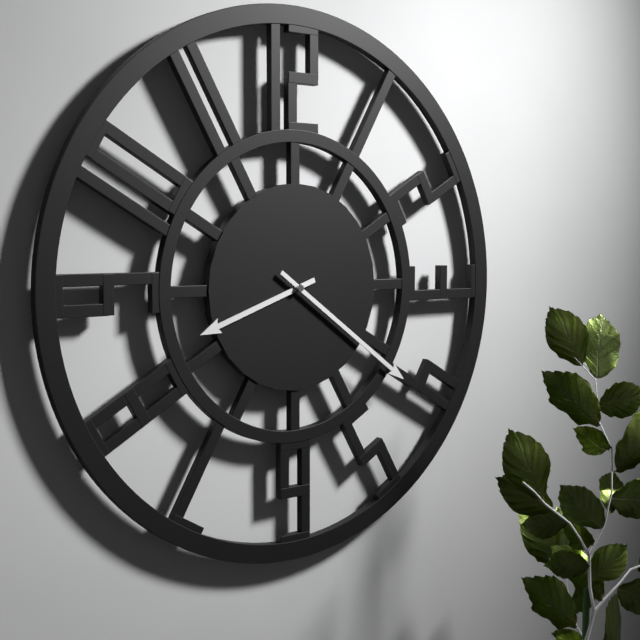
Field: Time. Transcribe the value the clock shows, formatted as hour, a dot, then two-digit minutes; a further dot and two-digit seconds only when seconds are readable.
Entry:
8.21
